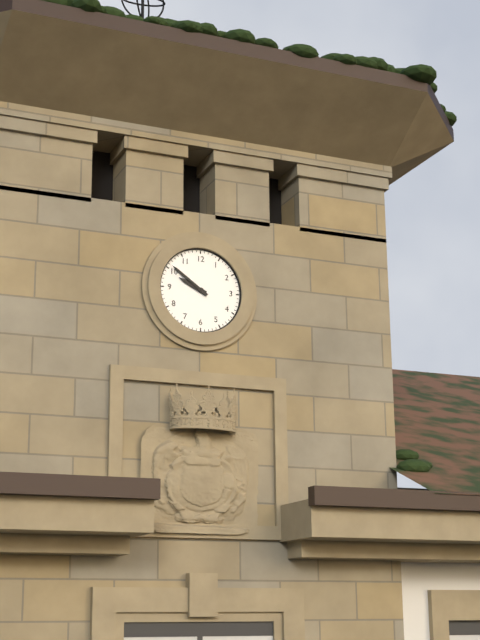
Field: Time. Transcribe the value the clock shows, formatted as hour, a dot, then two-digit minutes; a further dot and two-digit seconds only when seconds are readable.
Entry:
9.51
